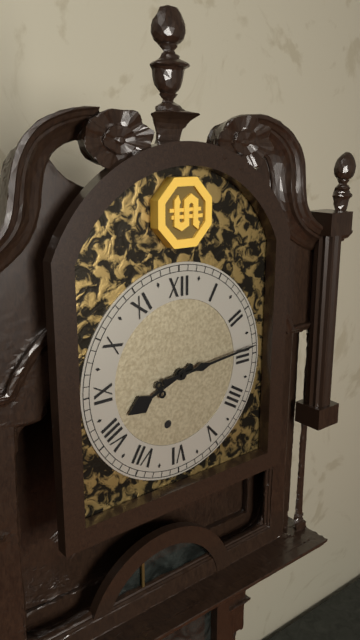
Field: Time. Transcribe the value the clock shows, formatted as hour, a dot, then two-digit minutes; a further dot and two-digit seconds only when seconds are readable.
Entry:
8.14
